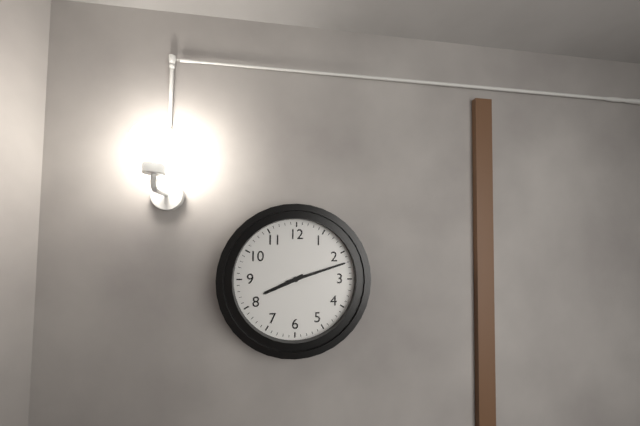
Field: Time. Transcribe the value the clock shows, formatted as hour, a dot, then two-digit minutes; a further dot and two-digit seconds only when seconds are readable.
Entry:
8.12
